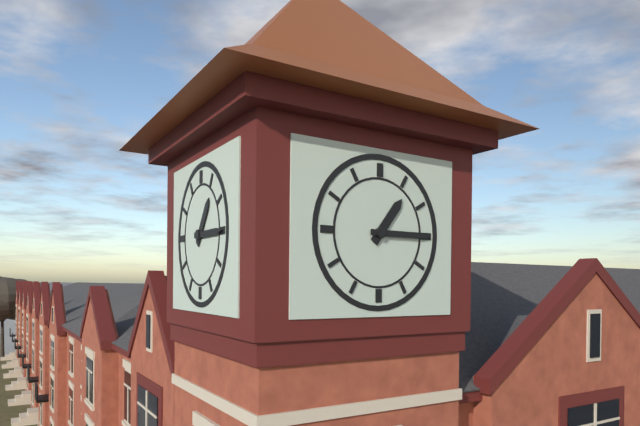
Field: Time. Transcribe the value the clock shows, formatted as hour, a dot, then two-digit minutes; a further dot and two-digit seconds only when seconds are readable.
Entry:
1.15
